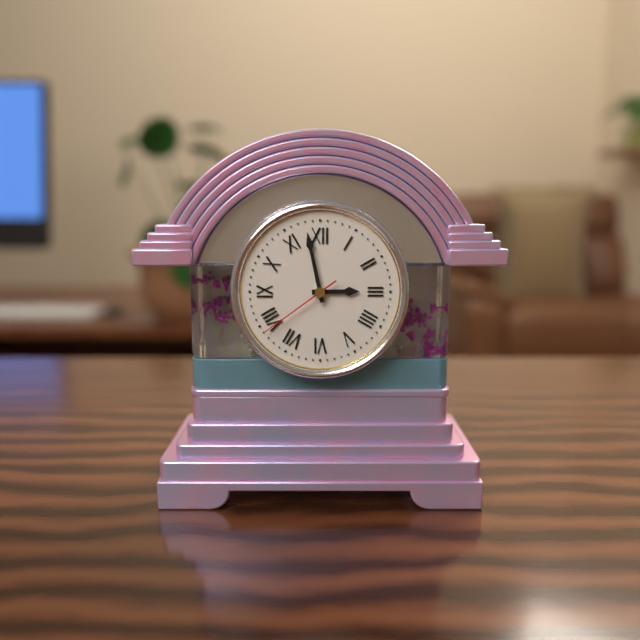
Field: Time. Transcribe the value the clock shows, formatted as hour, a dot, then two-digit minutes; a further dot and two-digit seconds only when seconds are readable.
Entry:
2.58.39
